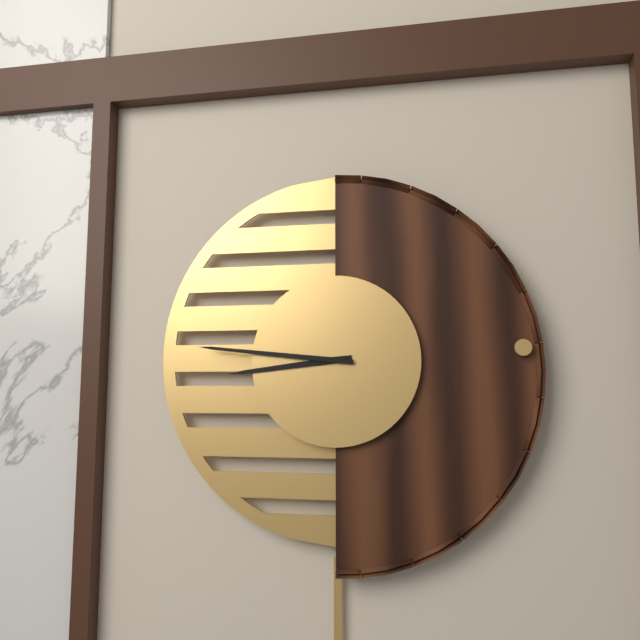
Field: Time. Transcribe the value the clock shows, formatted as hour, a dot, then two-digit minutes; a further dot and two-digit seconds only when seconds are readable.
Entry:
8.46
